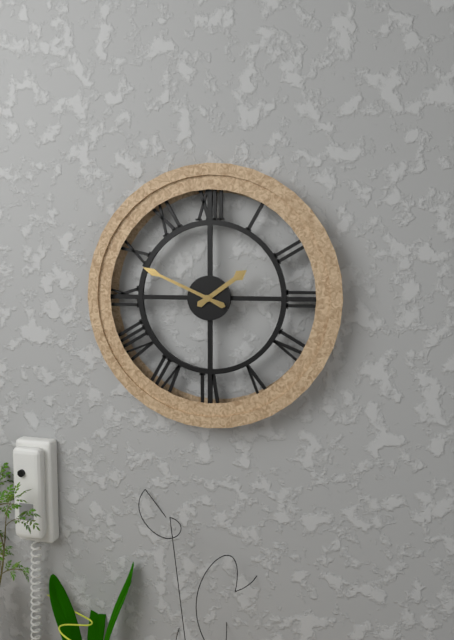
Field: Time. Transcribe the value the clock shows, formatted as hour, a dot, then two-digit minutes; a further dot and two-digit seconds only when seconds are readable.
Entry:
1.49
